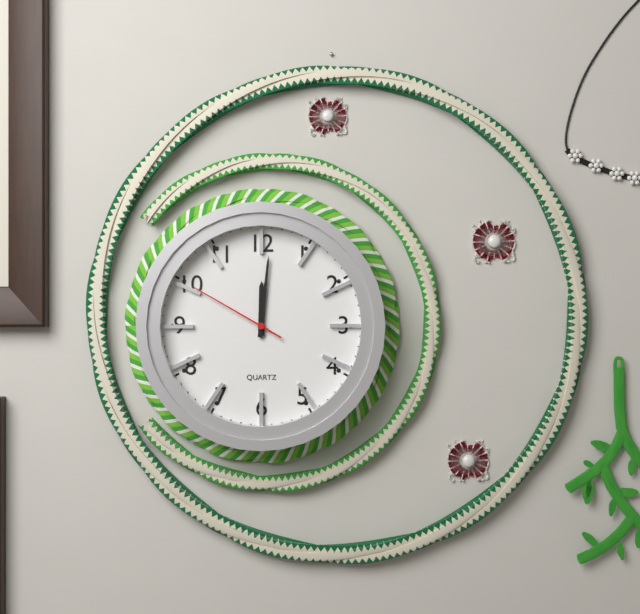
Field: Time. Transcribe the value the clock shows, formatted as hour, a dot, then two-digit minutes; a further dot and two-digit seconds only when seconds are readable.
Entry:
12.01.50
